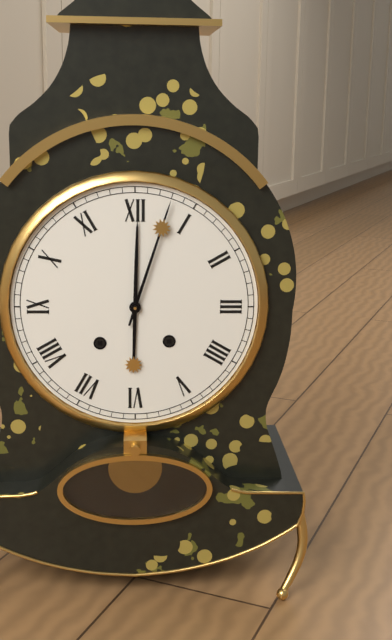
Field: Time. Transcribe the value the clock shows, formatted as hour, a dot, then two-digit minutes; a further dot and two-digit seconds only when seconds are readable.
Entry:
12.03
